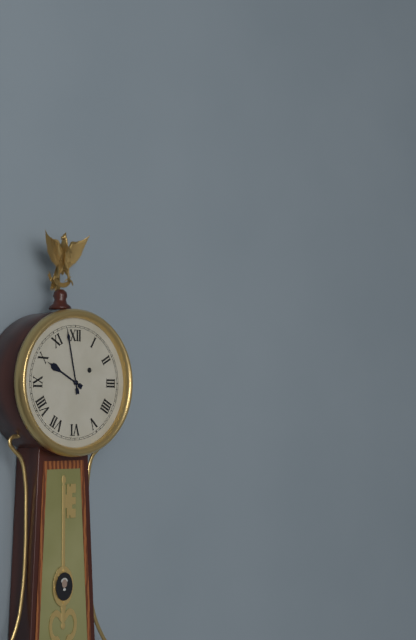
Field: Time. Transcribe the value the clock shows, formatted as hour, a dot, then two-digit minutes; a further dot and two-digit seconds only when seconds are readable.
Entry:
9.58
